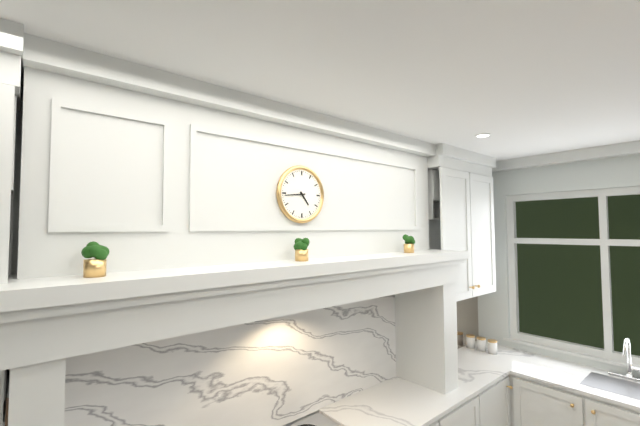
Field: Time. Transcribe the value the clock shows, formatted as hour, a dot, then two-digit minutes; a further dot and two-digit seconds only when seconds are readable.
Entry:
4.44
